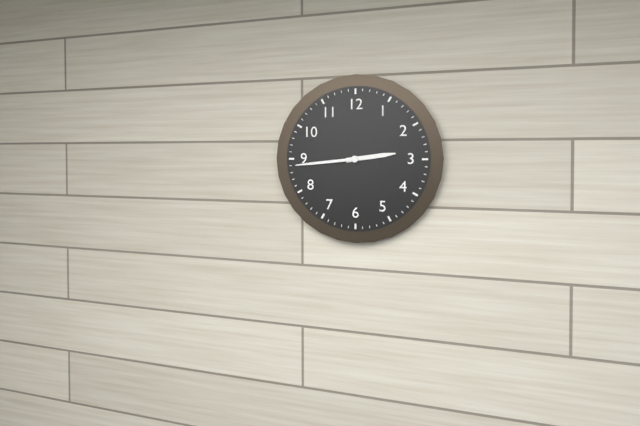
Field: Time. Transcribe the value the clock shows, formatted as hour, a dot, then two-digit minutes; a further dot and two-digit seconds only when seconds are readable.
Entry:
2.44
